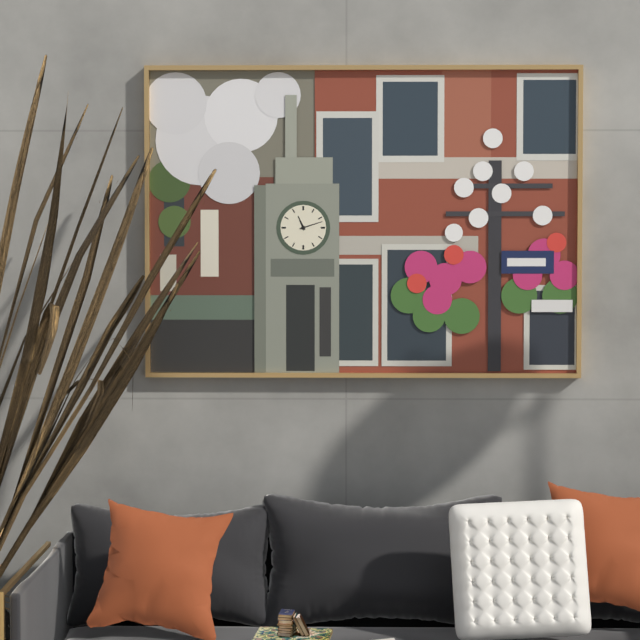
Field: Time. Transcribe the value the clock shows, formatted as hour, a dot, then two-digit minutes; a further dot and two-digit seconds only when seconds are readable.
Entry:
11.12
